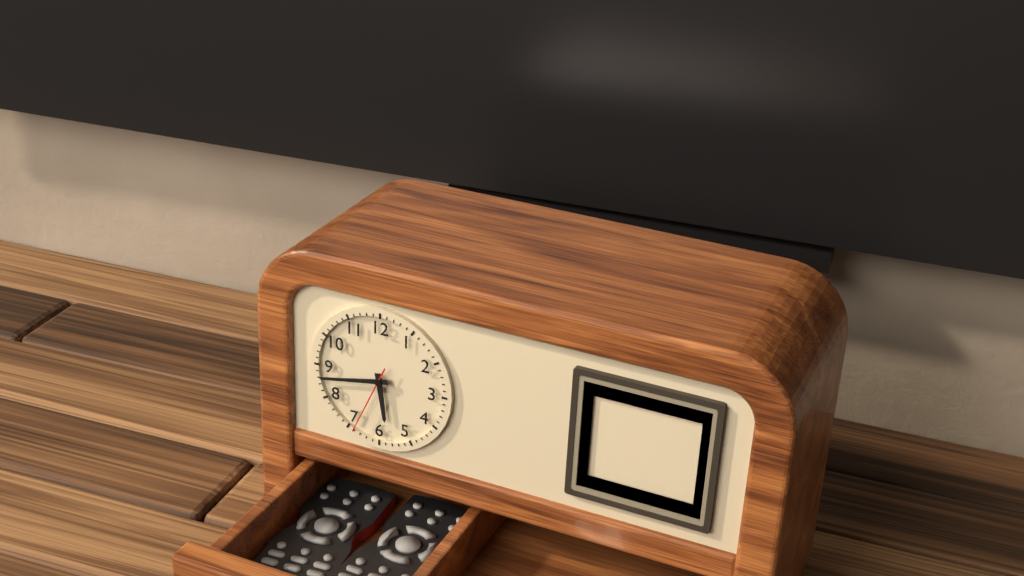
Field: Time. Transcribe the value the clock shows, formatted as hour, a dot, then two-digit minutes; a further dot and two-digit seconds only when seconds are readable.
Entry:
5.43.34
